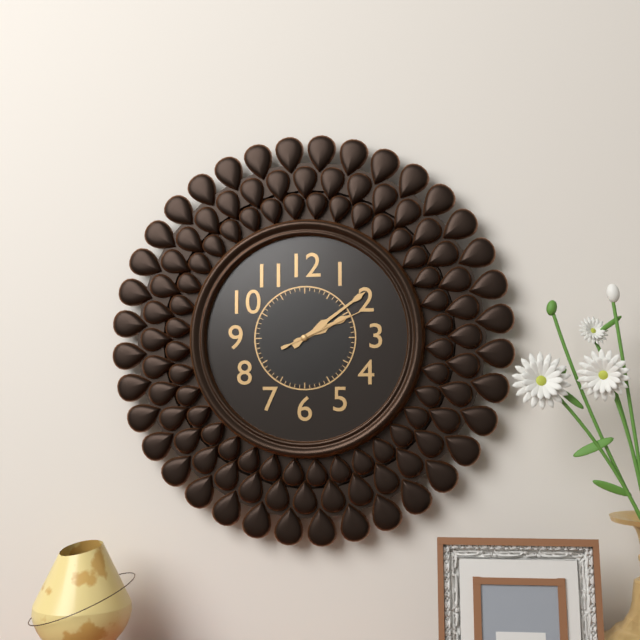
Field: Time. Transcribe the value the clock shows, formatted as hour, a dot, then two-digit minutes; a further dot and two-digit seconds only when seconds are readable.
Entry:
2.09.11
